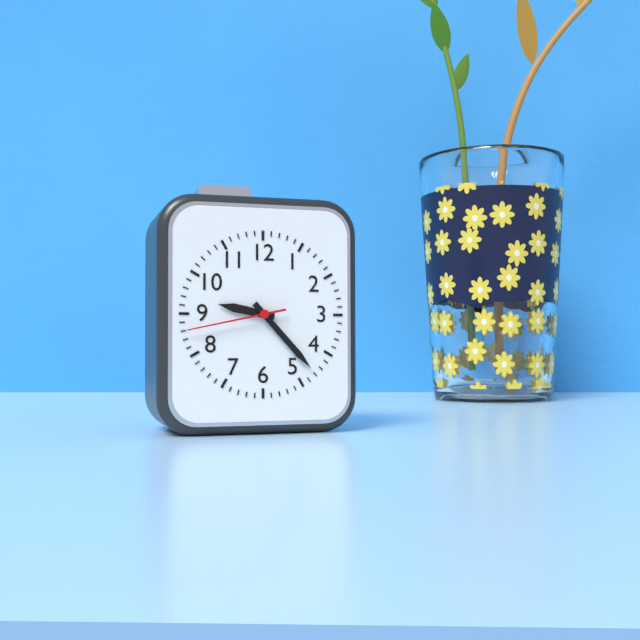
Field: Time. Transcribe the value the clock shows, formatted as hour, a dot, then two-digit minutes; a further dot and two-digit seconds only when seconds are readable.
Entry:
9.23.43
